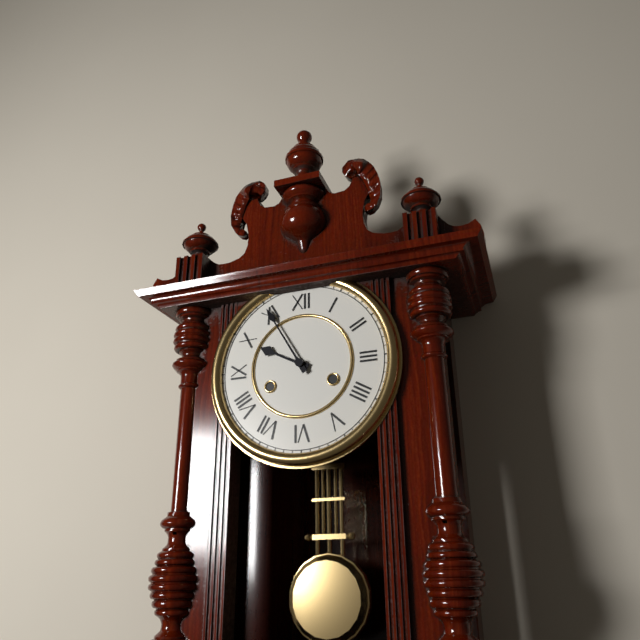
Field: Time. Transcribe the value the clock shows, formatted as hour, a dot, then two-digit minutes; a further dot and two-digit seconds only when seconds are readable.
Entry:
9.55
